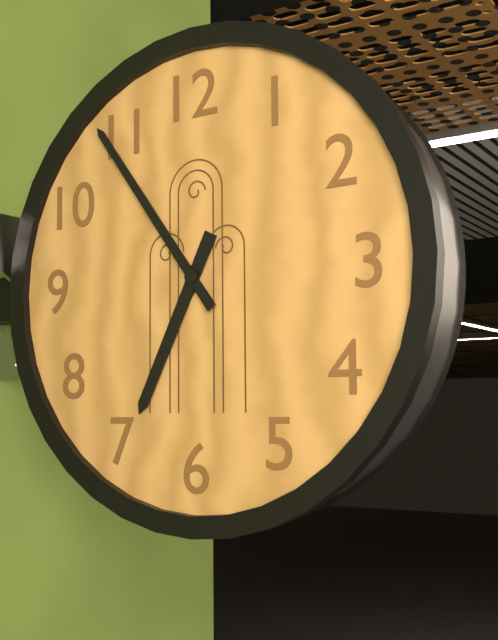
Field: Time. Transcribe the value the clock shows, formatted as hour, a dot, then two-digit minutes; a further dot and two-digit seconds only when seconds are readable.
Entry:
6.54
